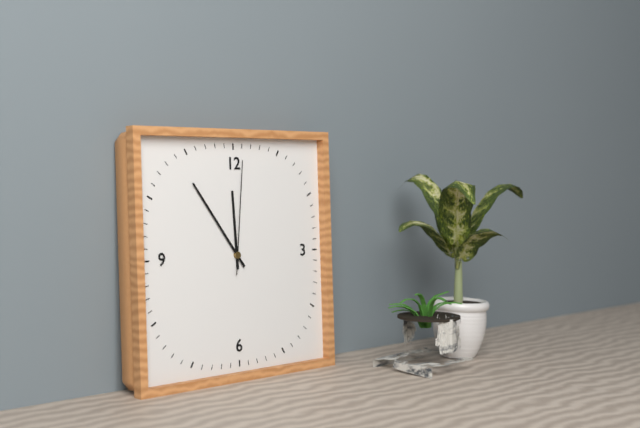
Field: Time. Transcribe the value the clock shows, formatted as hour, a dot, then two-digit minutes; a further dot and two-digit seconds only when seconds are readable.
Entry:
11.54.01
